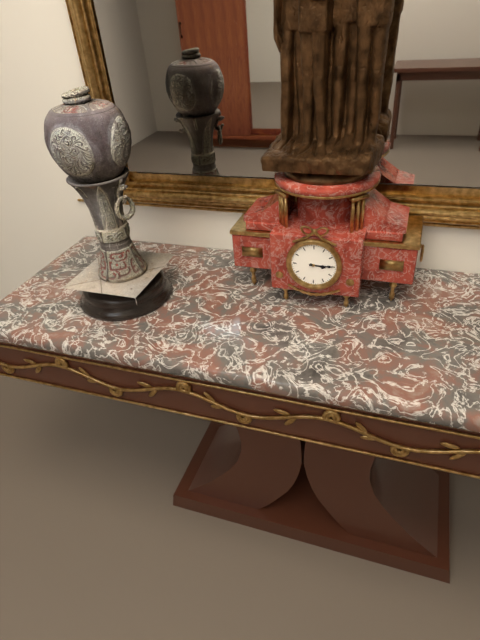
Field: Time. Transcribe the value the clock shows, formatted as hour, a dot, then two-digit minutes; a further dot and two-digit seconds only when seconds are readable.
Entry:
3.15
